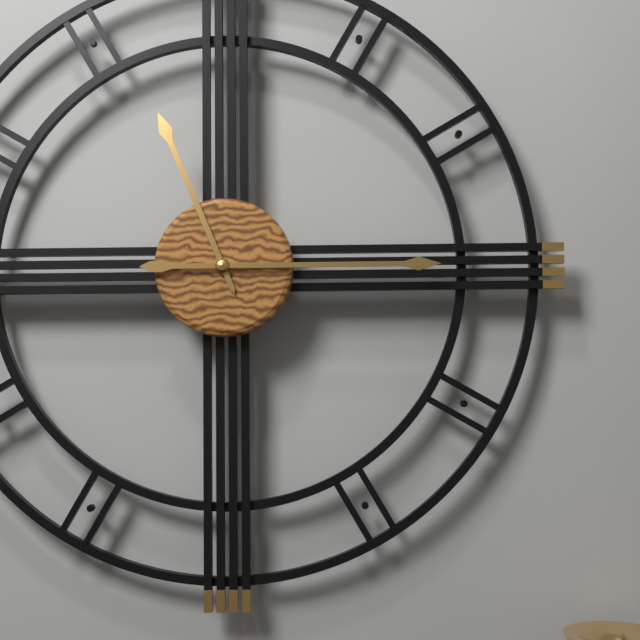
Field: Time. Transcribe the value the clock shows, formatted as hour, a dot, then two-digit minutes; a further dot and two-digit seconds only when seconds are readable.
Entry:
11.15
